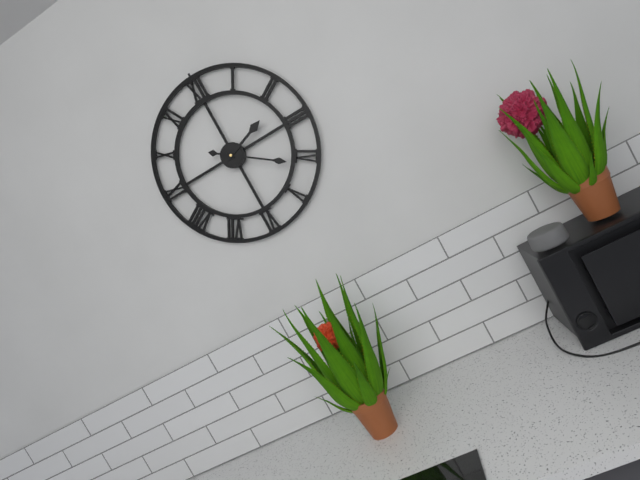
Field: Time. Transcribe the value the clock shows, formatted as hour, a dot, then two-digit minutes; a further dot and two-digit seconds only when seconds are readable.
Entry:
2.21
